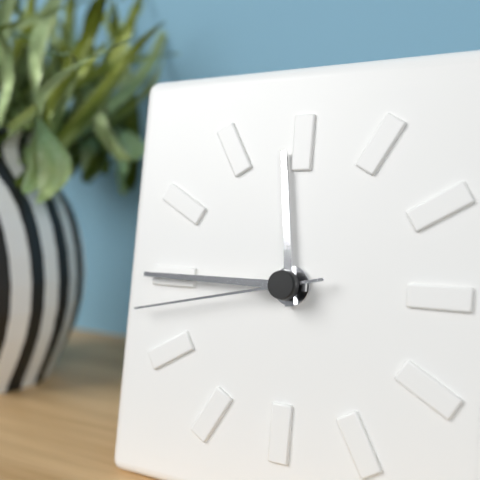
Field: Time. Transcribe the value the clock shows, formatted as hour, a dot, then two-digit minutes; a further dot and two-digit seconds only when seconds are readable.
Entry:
11.45.43
